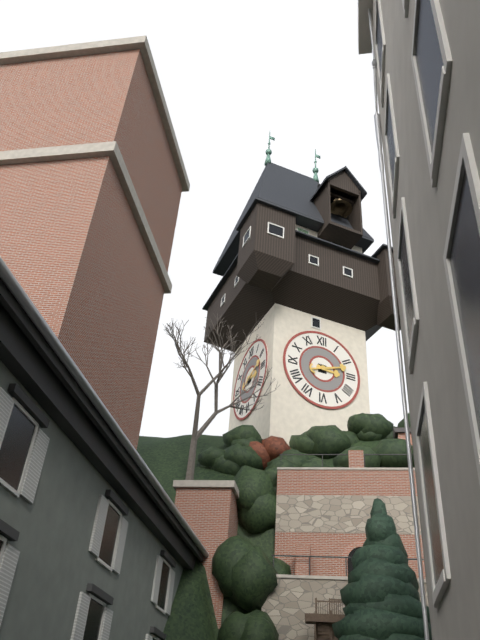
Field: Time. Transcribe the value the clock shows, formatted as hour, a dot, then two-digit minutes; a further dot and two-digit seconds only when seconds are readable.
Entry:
3.12
